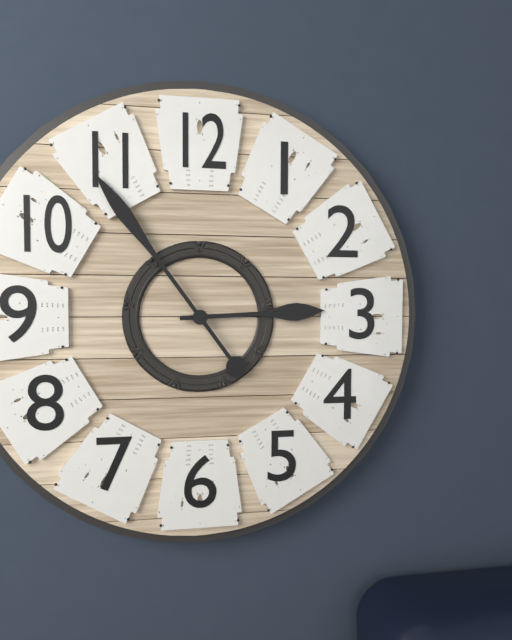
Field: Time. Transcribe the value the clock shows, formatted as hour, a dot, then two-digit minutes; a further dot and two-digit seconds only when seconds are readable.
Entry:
2.54
